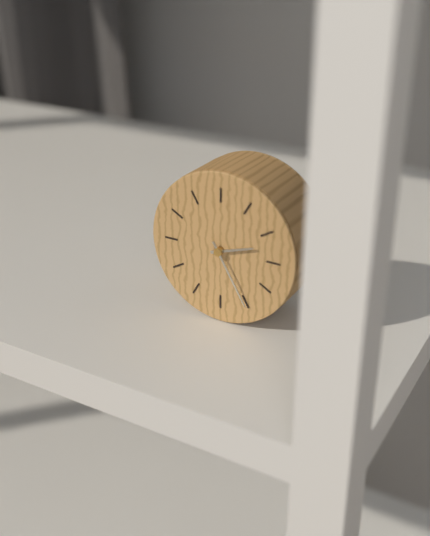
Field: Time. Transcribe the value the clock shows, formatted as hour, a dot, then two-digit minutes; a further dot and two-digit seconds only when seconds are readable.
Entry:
2.25
